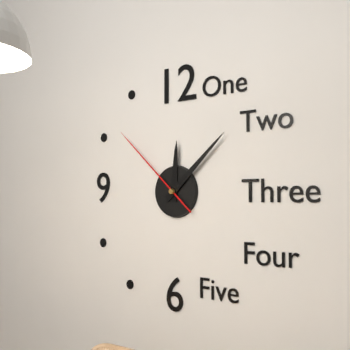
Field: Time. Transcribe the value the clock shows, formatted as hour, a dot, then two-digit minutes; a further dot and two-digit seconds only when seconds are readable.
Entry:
12.08.52
